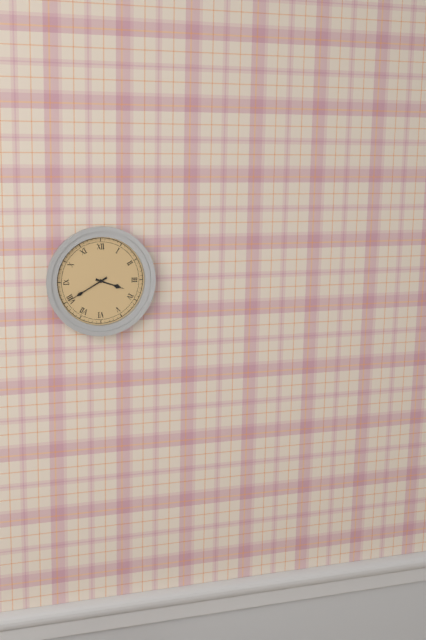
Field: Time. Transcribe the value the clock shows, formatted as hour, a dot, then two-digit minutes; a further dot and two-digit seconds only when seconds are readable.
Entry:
3.40
